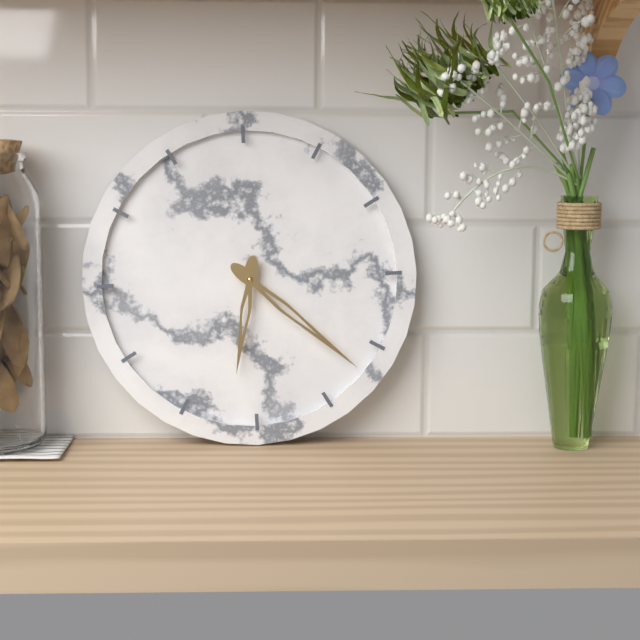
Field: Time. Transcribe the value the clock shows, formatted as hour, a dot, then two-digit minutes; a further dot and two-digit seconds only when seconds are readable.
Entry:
6.22
